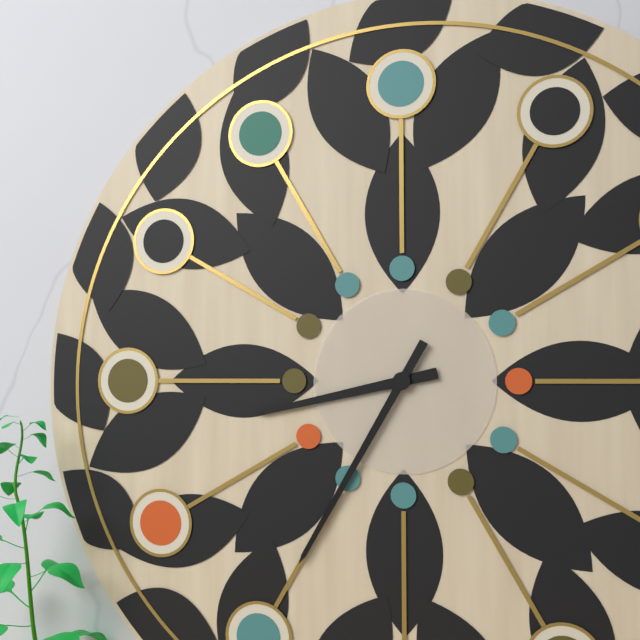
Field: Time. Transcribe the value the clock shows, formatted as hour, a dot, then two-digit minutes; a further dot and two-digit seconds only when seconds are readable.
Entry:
8.35
